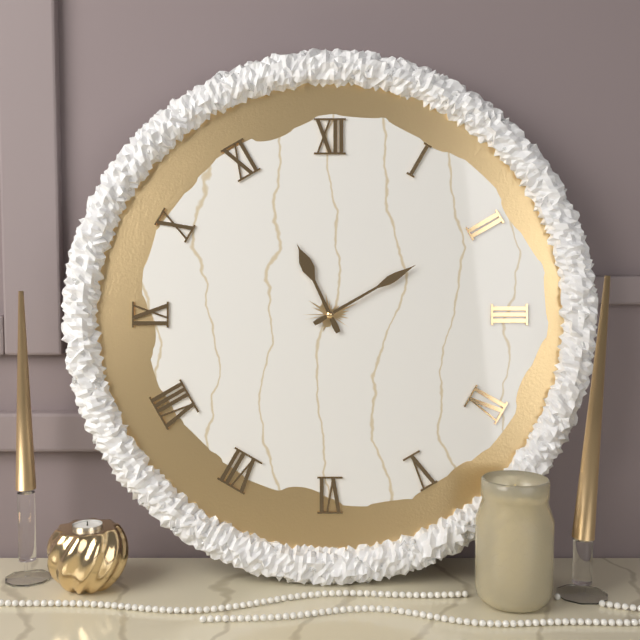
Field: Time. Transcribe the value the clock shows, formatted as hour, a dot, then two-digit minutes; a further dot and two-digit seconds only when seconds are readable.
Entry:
11.10
